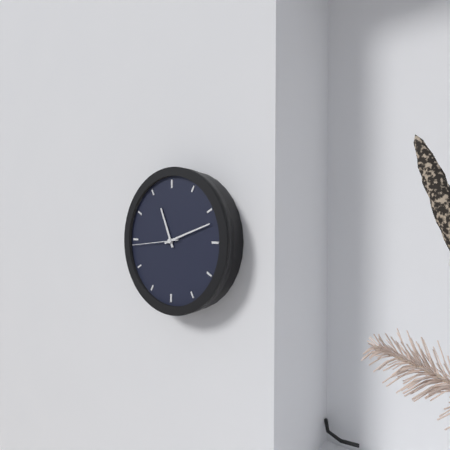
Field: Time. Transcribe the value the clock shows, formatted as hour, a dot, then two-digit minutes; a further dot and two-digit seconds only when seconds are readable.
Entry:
11.12
